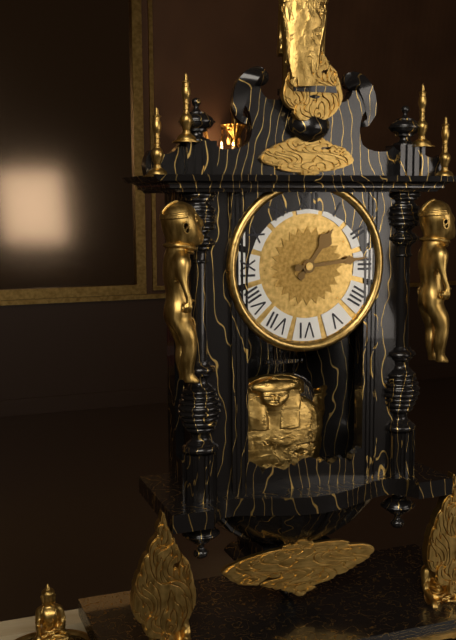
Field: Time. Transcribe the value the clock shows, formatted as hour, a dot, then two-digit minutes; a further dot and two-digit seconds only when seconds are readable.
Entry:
1.14
